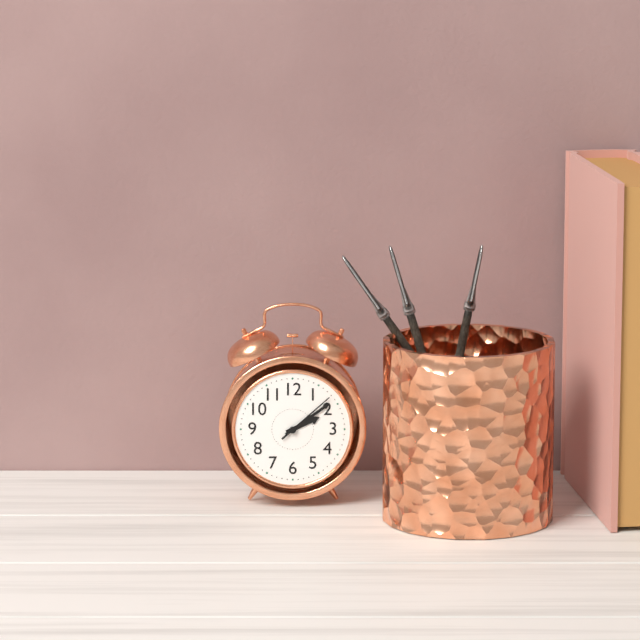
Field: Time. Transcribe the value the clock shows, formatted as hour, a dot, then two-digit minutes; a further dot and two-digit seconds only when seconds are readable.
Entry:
2.09.08
